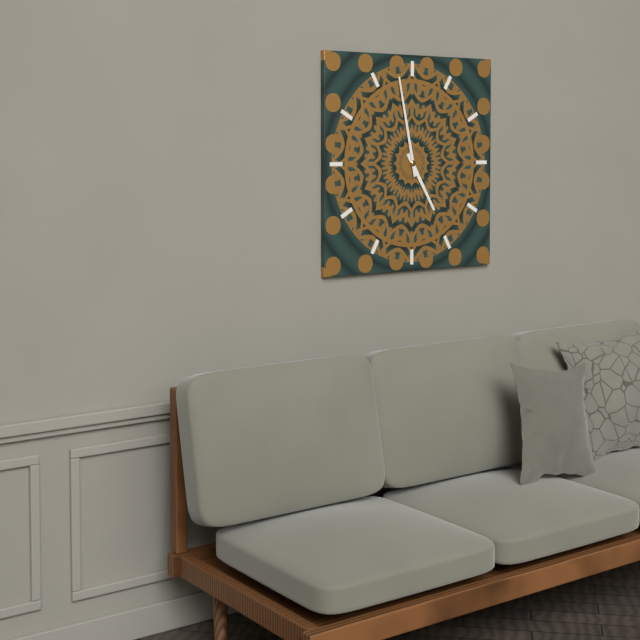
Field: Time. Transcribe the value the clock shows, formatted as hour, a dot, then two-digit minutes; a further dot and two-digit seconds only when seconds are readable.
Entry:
4.58
